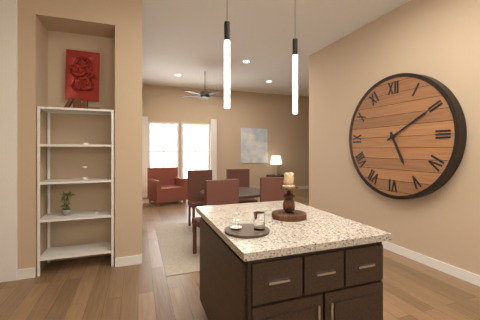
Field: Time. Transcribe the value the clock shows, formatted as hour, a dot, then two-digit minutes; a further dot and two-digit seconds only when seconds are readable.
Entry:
5.10
